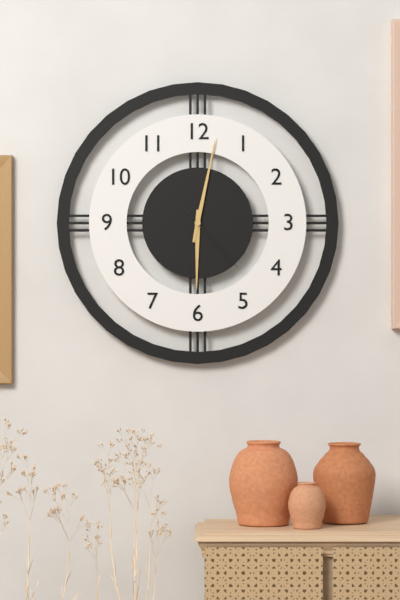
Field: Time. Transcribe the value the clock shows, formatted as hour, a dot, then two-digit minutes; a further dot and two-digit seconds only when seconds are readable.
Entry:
6.02.23
